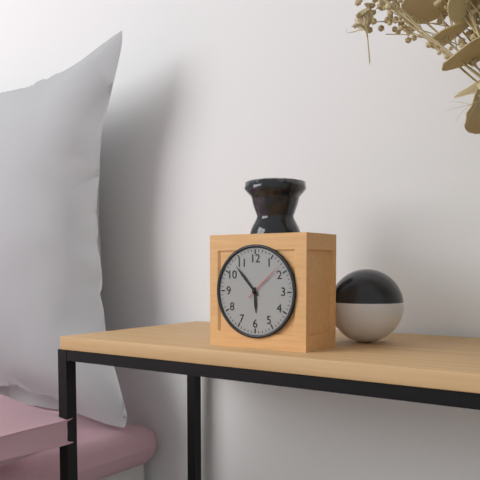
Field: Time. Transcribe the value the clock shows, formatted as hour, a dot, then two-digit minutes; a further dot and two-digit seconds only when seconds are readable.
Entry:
5.53
